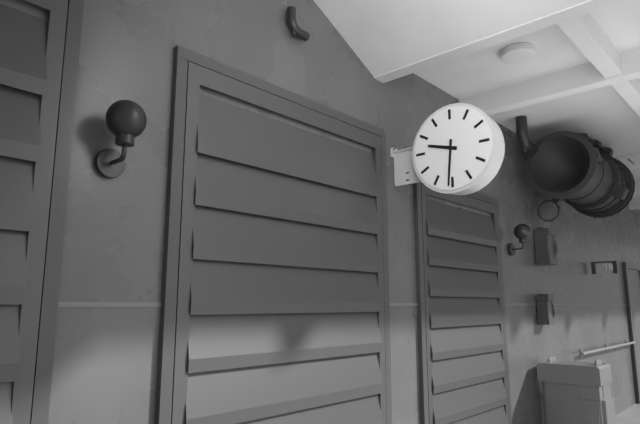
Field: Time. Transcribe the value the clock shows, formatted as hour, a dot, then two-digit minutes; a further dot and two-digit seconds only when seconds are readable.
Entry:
9.31
